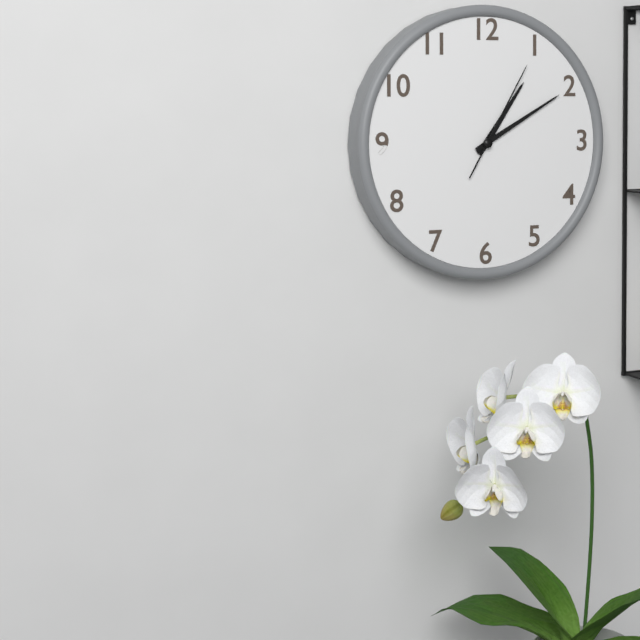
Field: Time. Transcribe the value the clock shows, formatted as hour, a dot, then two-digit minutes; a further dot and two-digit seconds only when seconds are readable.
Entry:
1.10.05
